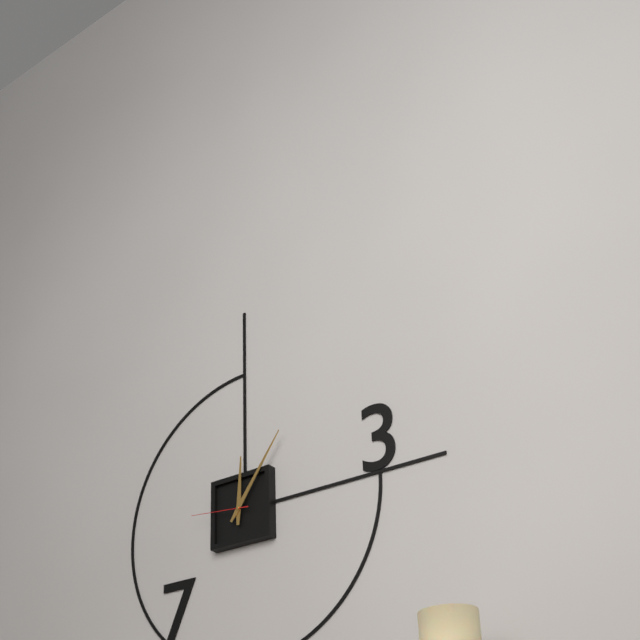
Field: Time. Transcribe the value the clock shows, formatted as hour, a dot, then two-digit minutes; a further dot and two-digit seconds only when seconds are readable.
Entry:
12.06.46
